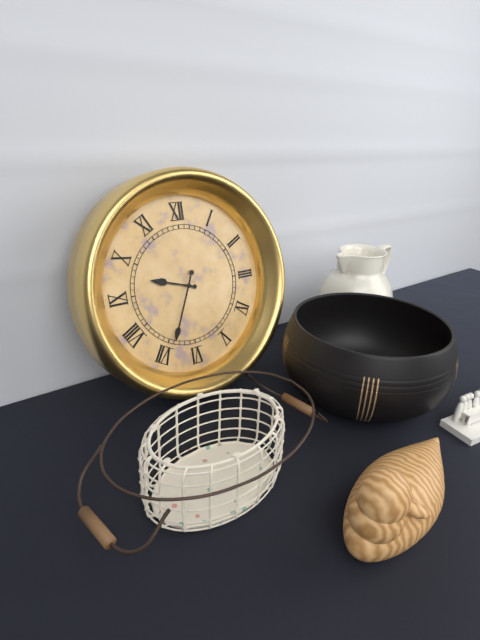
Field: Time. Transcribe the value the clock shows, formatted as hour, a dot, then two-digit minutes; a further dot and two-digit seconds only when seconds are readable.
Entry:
9.34
